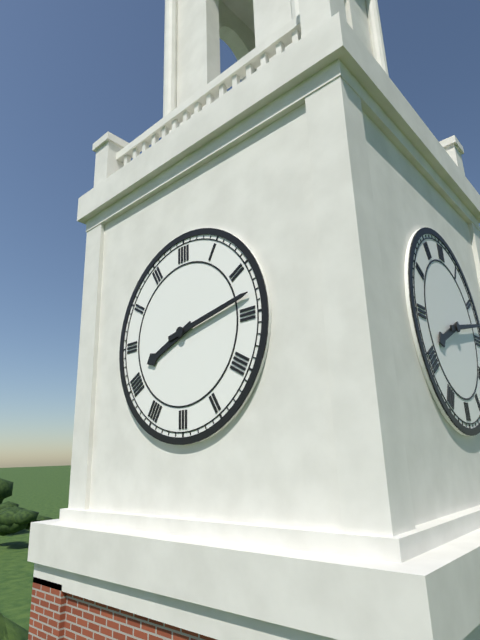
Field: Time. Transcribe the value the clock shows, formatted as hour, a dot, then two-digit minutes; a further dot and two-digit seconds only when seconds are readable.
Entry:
8.13
